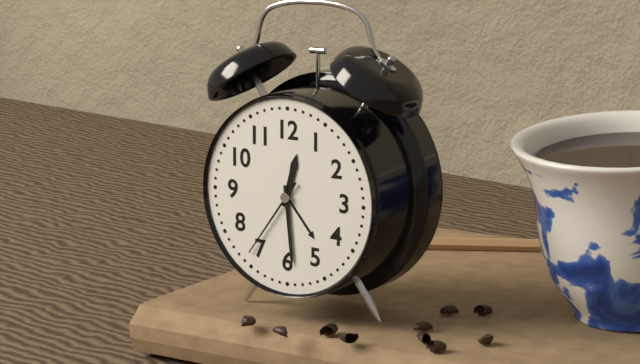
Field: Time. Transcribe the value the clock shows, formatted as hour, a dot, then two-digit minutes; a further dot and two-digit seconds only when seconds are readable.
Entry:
12.29.36
